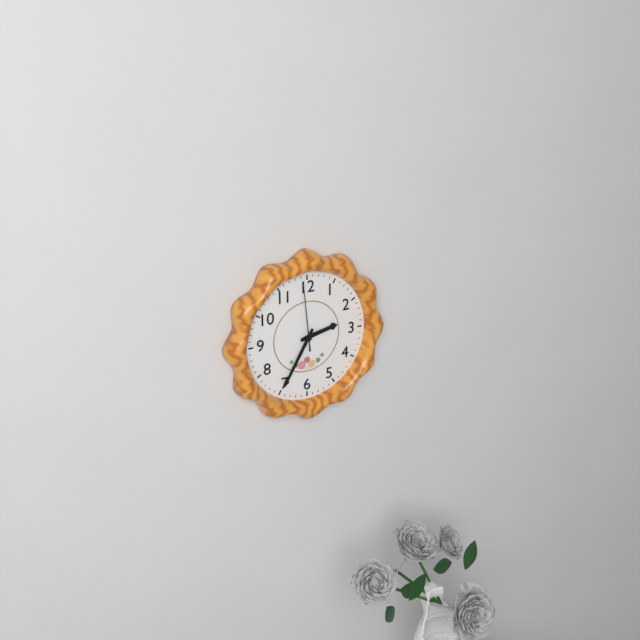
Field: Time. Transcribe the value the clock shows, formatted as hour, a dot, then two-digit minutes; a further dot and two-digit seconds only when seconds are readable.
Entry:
2.35.59
